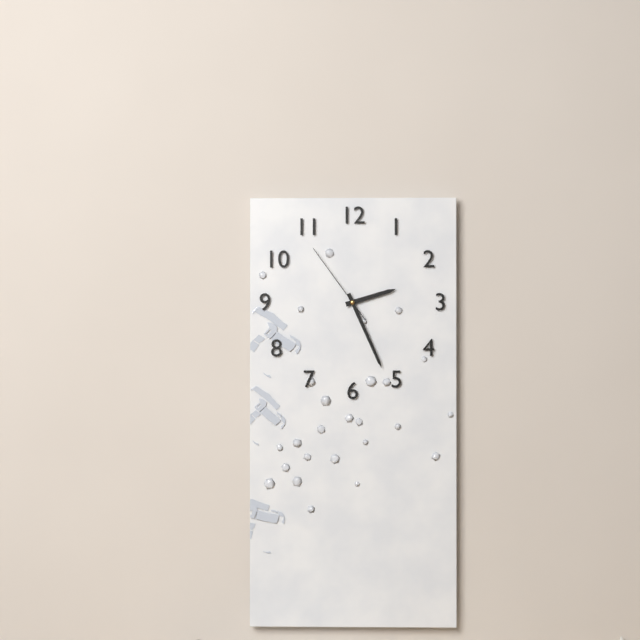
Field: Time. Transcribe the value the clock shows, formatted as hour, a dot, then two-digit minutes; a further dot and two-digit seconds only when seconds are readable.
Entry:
2.26.54
